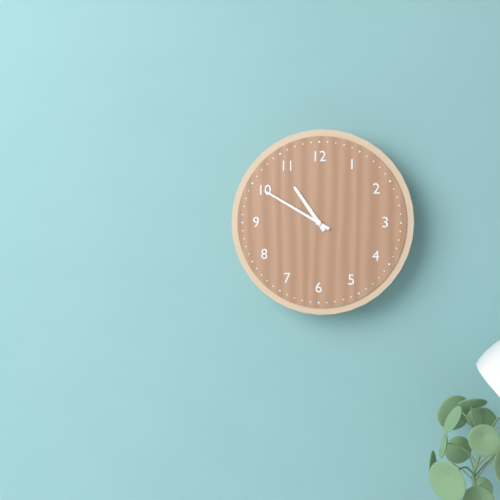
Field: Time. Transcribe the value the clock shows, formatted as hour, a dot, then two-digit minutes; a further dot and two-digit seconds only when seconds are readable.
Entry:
10.50
